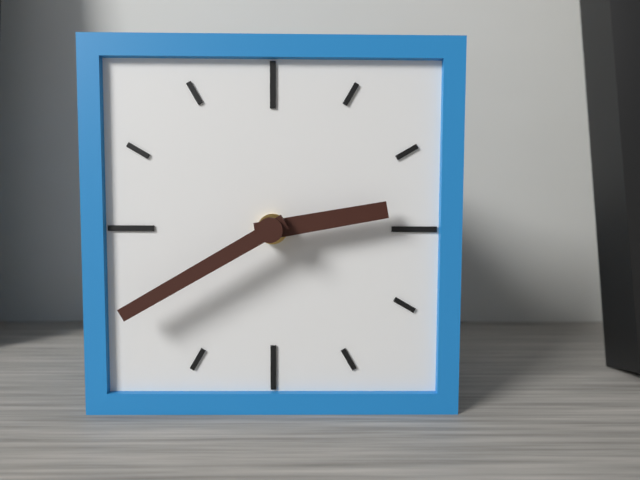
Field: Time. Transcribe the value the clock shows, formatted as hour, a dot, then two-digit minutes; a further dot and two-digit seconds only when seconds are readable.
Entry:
2.40
